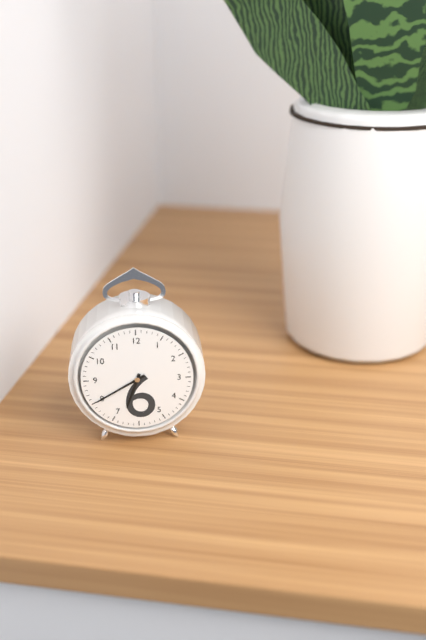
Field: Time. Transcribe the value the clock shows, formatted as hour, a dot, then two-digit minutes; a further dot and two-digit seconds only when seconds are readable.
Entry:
6.40
